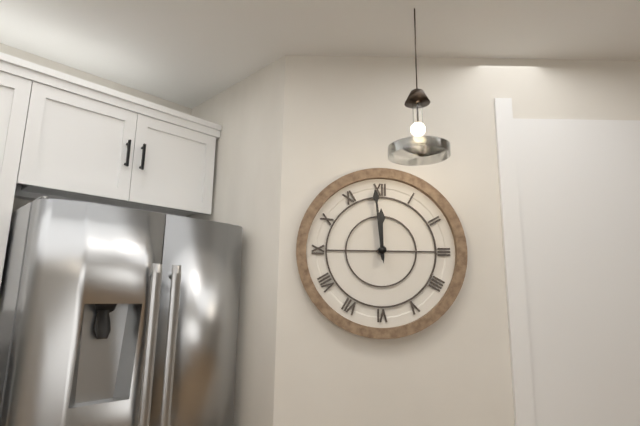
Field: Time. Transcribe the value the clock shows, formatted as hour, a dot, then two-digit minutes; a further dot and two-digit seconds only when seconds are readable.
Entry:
11.59
